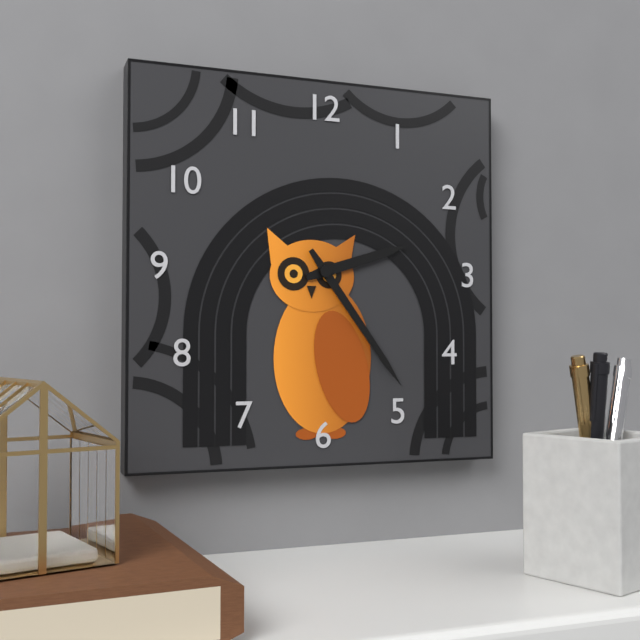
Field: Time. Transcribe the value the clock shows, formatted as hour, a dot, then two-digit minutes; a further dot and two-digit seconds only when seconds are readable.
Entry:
2.24
